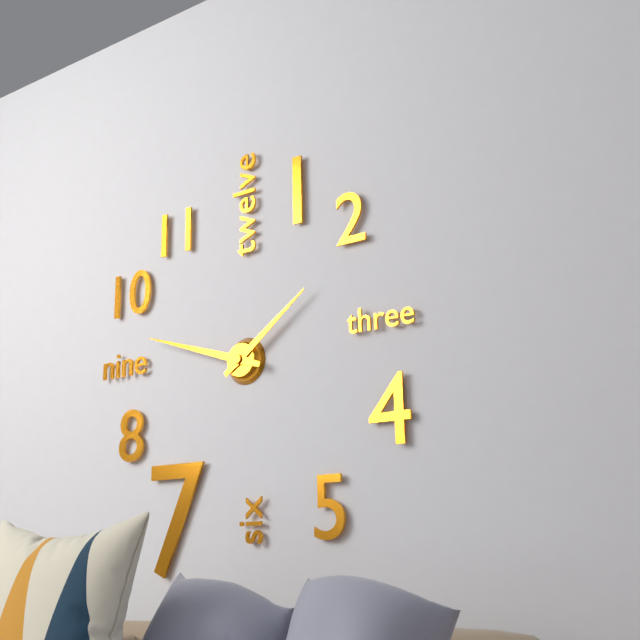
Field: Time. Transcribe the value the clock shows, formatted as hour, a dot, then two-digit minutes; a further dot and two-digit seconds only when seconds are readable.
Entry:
1.48
